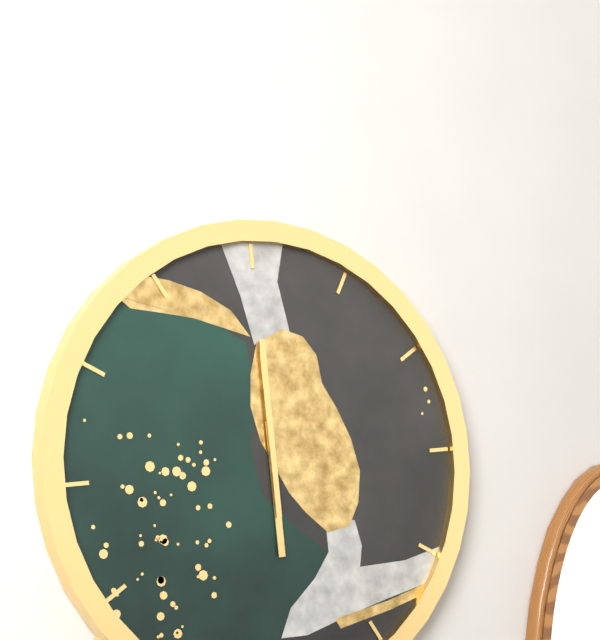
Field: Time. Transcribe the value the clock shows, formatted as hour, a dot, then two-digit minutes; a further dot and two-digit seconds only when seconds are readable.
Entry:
6.00
